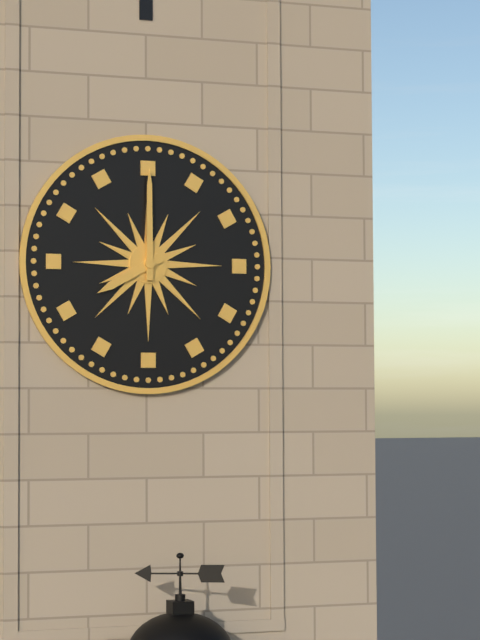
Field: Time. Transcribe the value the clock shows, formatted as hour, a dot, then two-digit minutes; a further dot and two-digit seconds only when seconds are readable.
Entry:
8.00
